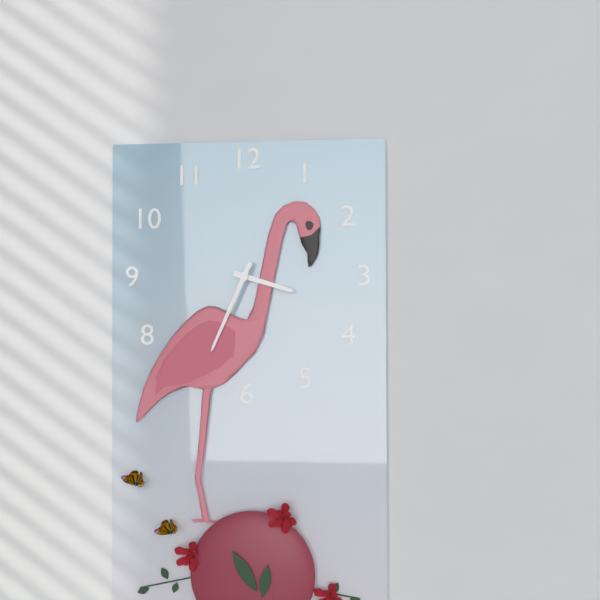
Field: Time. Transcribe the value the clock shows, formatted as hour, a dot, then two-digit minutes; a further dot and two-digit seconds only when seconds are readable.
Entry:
3.34
